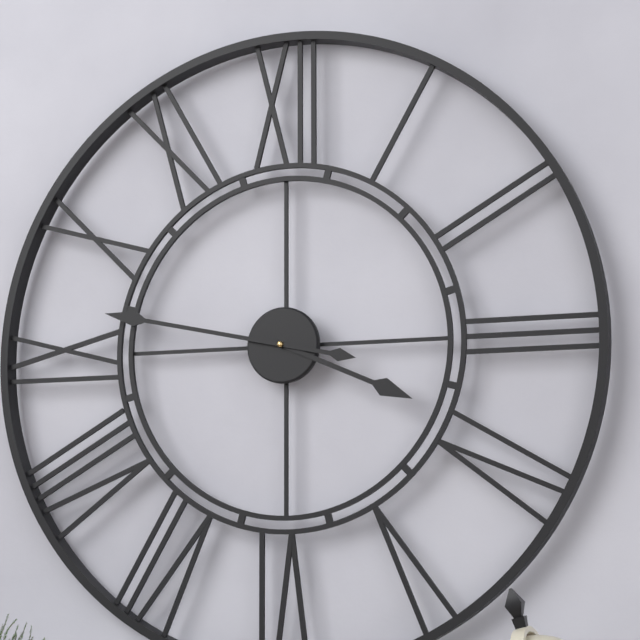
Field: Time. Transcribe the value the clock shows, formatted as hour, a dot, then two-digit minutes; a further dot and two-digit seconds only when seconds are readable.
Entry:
3.47
